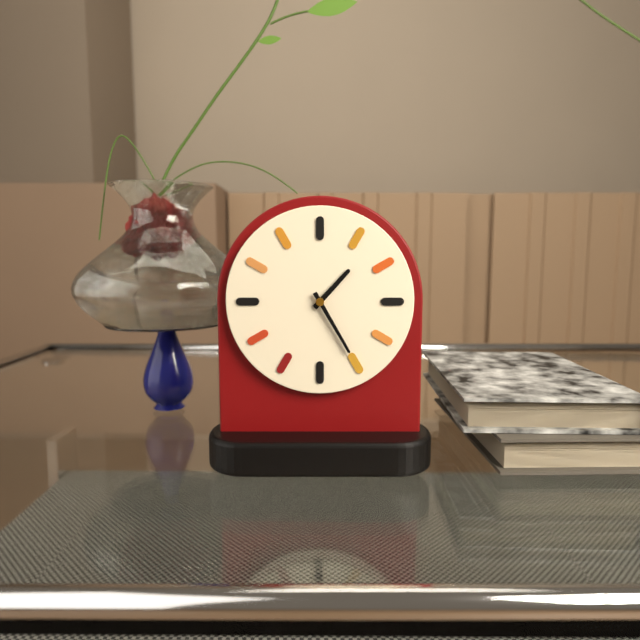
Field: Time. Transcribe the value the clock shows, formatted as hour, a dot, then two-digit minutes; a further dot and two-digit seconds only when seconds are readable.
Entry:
1.25
